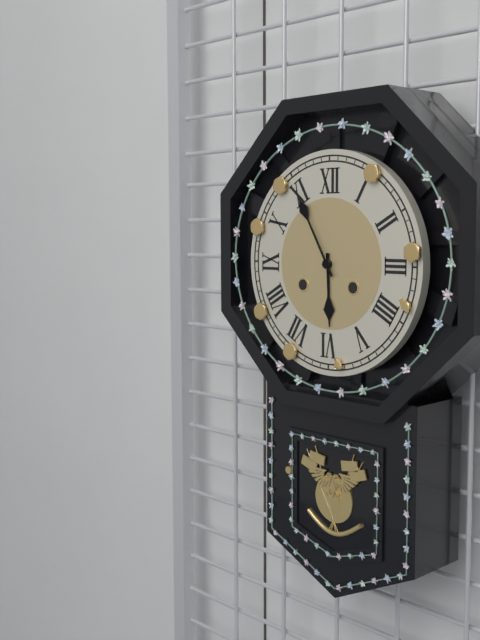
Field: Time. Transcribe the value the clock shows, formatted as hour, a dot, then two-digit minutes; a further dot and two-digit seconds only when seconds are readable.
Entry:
5.55
